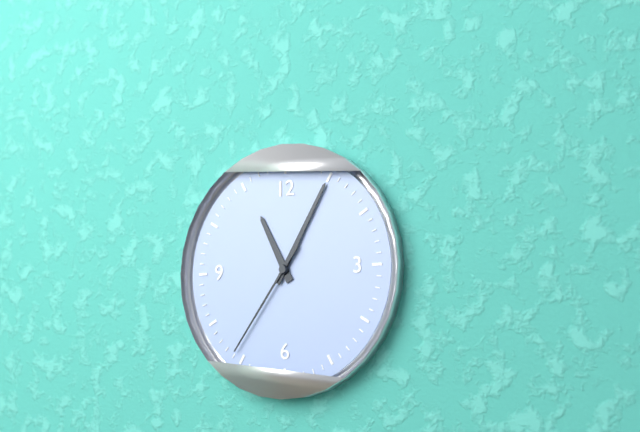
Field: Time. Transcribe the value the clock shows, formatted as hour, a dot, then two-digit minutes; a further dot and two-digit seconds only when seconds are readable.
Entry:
11.05.36
